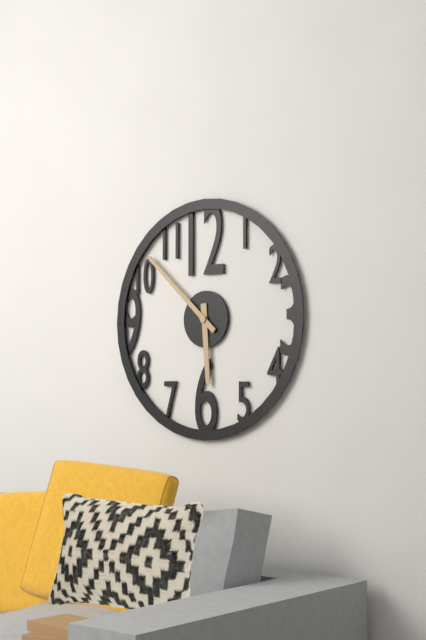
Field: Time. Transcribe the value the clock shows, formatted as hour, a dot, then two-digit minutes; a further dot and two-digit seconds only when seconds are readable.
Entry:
5.52
